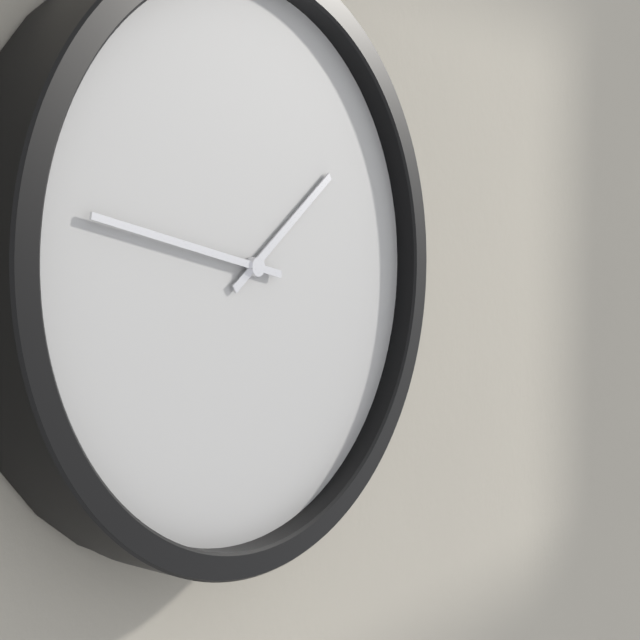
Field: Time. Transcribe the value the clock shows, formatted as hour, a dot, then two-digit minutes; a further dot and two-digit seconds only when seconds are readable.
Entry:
1.47
